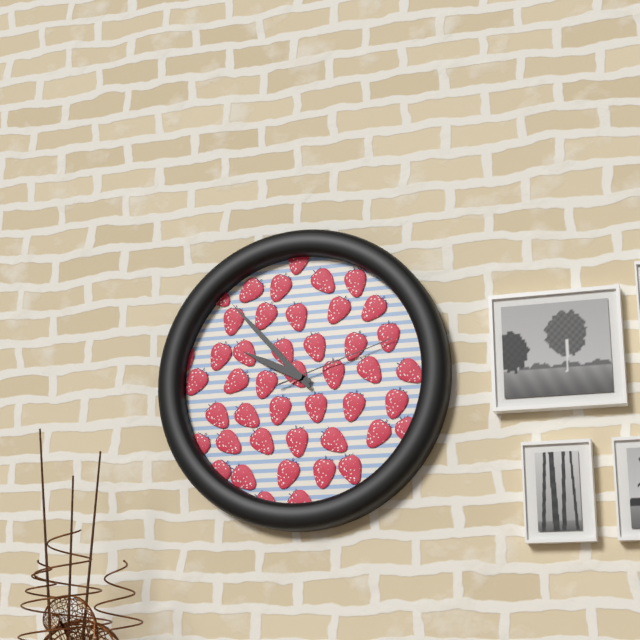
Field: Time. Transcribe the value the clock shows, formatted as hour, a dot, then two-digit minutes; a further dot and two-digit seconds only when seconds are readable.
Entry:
9.53.12
